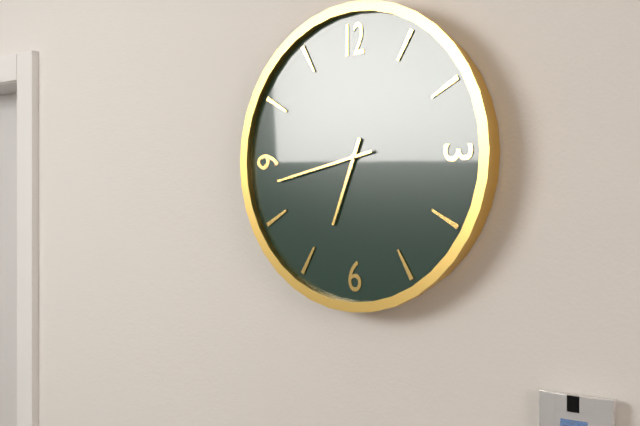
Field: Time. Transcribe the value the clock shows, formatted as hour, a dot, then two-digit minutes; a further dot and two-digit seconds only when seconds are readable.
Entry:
6.43
